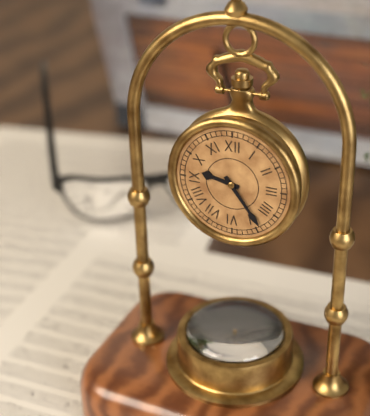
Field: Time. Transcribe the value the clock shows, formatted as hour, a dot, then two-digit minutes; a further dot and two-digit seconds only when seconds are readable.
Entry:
9.24
